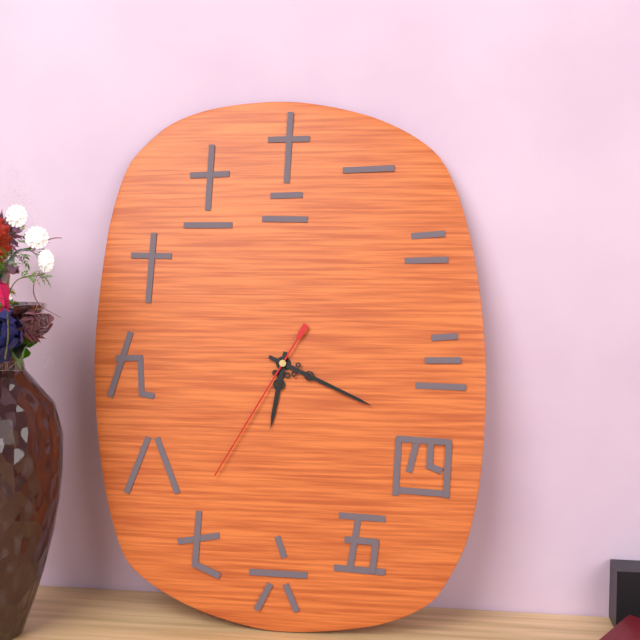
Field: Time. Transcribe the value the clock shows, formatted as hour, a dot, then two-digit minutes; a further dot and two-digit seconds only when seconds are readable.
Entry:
6.19.35
